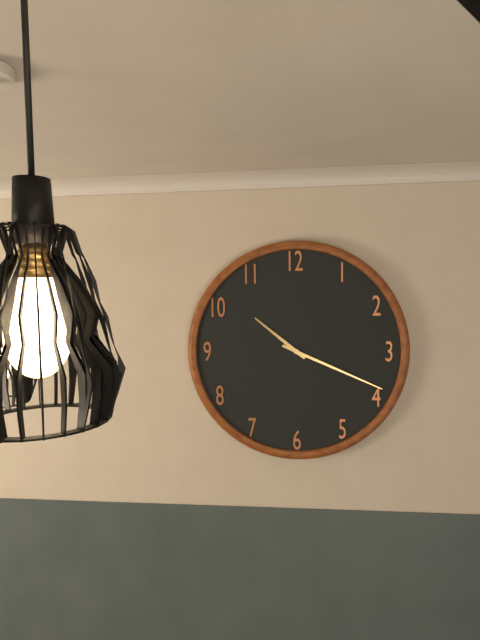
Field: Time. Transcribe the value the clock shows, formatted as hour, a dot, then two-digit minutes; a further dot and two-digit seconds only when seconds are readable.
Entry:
10.19
